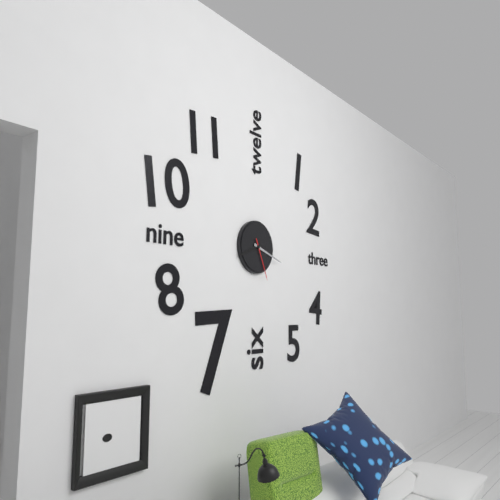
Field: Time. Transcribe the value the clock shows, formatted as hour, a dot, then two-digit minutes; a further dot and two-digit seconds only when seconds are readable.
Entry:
8.18
